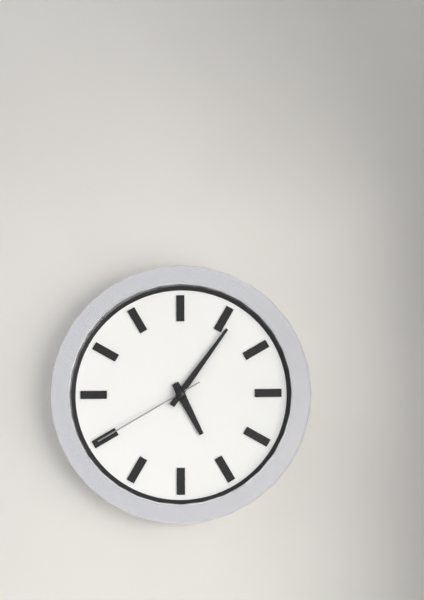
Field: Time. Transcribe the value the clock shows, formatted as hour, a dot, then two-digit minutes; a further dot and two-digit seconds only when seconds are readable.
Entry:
5.06.40
